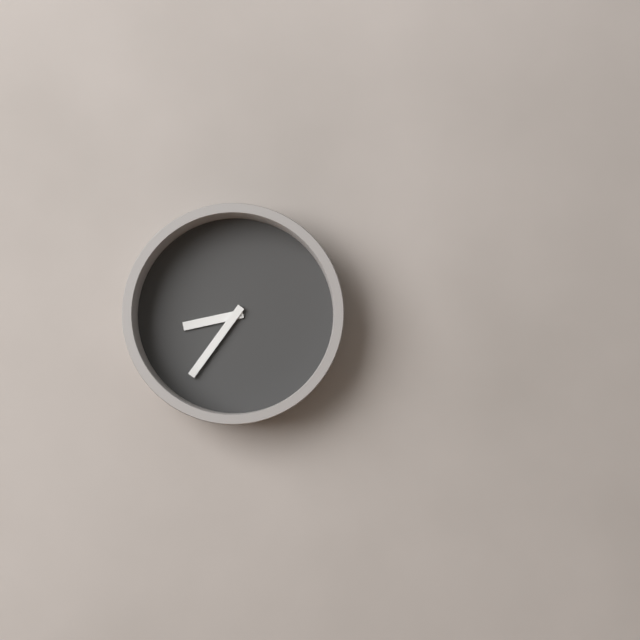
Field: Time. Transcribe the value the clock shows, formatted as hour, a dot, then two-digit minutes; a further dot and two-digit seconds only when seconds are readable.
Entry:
8.36
